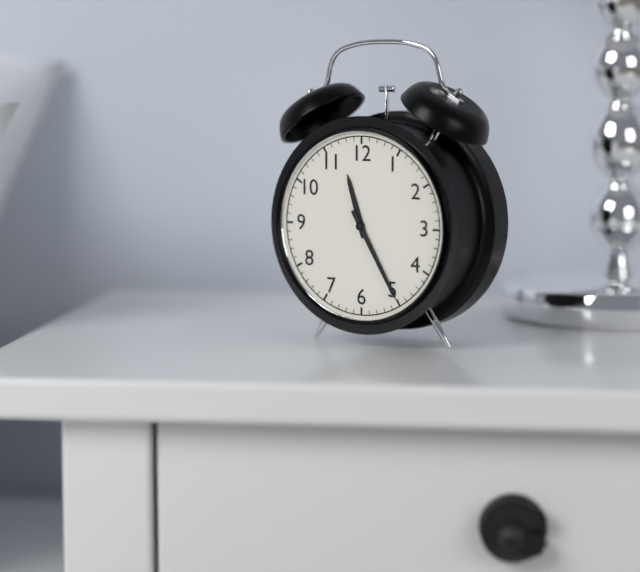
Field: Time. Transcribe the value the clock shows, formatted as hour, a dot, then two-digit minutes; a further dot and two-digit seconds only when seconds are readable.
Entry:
11.25
